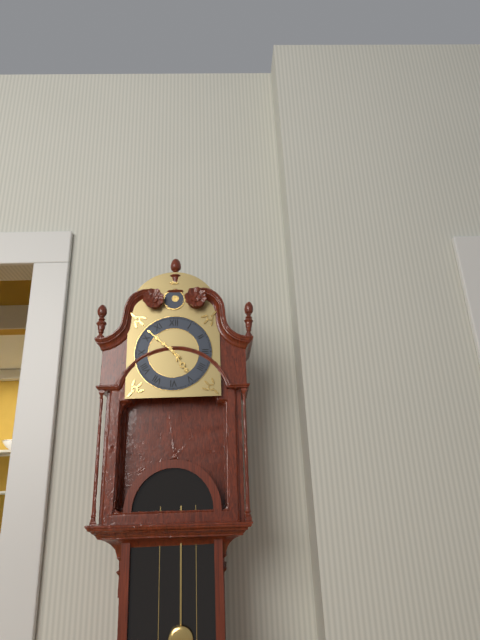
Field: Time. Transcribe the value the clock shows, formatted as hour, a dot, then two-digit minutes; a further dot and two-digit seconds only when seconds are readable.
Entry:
4.52
